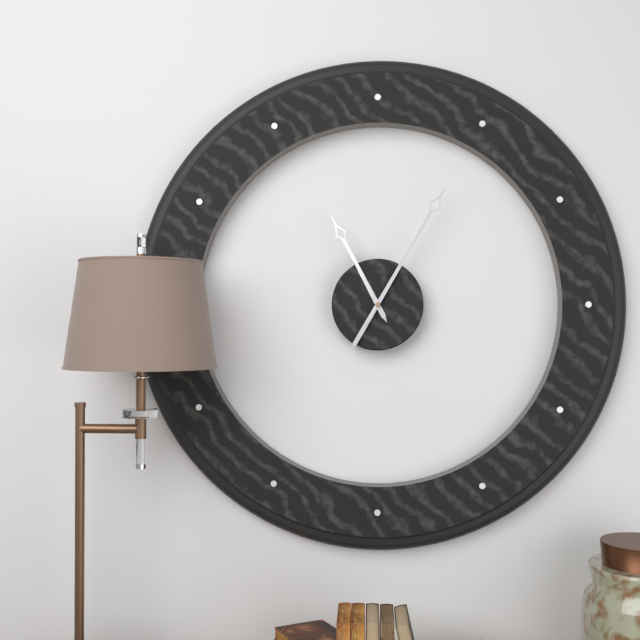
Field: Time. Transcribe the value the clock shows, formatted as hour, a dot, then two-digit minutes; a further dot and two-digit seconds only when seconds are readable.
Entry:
11.05
